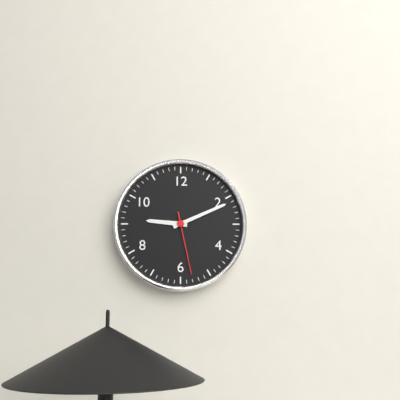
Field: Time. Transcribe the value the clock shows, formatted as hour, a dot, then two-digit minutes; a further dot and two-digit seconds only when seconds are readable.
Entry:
9.11.28
